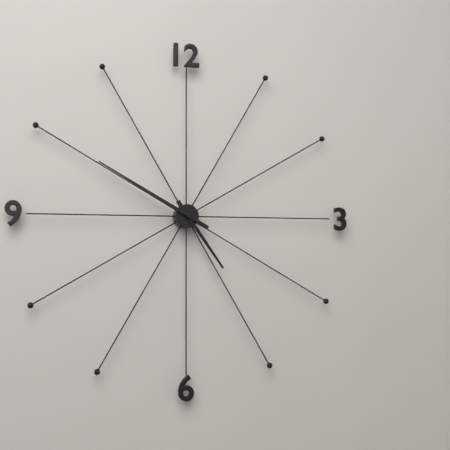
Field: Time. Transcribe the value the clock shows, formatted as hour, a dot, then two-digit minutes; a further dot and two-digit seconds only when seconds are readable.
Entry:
4.50
